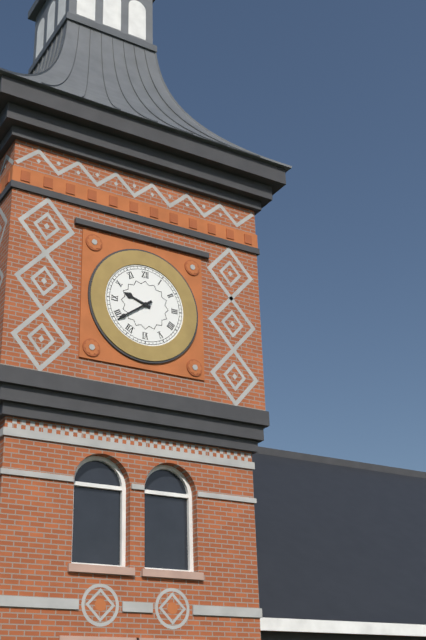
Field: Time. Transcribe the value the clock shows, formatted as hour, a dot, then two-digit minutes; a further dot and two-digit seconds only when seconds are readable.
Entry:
9.39
